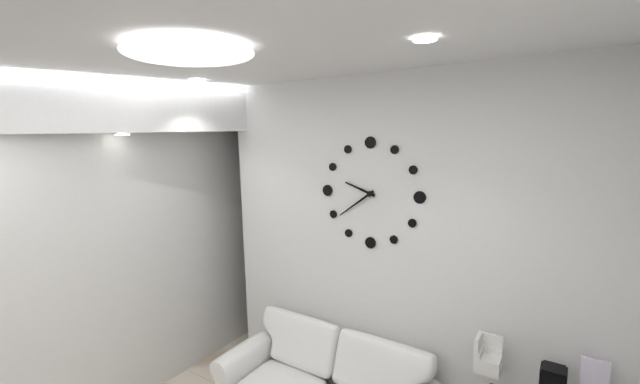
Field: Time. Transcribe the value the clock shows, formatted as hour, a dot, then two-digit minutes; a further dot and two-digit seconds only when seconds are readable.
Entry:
9.39
